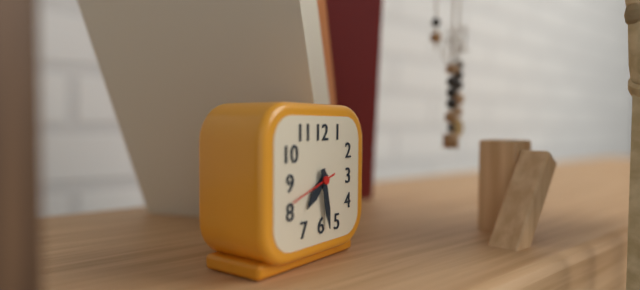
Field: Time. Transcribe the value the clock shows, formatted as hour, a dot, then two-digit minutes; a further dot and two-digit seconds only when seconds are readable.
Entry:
7.28
